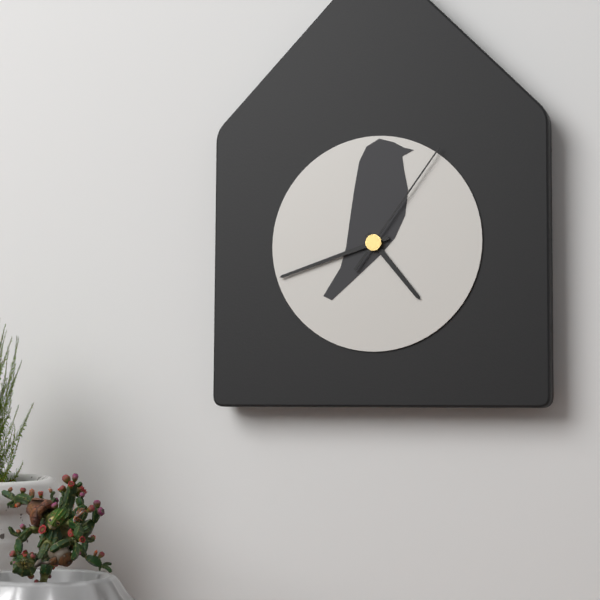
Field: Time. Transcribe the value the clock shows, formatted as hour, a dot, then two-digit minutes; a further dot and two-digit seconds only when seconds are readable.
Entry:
4.42.06
